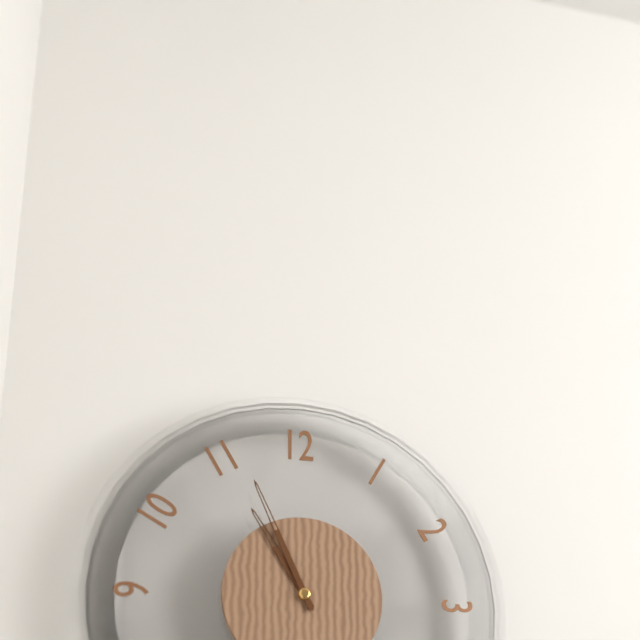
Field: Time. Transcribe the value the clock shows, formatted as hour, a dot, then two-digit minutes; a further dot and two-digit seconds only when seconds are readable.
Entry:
10.56
